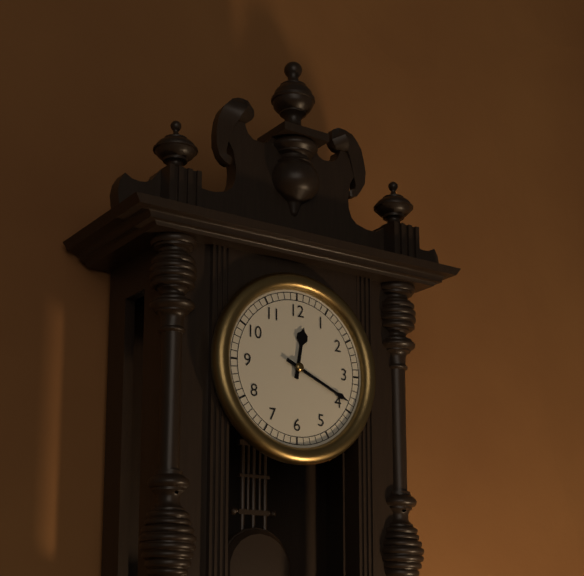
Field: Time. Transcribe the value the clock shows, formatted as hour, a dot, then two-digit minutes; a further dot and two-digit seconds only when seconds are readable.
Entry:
12.19
